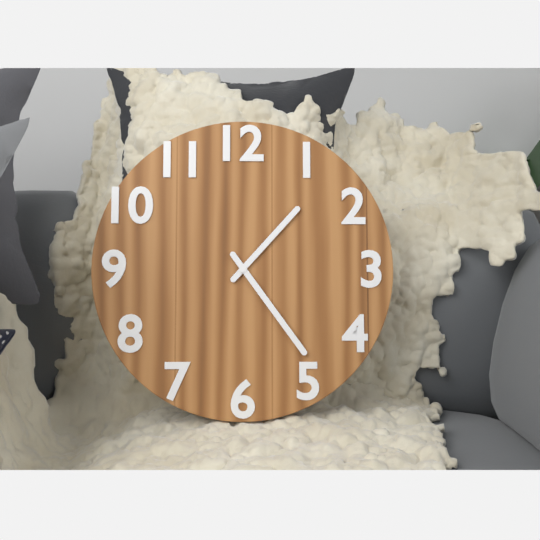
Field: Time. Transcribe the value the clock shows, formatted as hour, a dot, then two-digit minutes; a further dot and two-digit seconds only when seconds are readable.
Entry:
1.24
